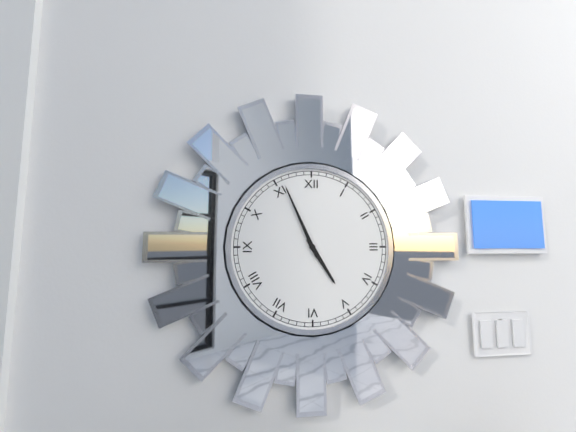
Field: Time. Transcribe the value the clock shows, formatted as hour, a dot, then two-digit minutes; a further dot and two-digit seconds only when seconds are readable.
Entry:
4.56
